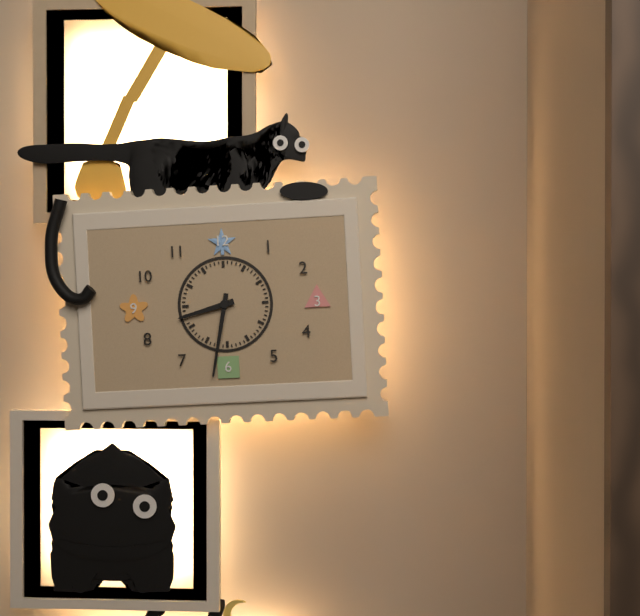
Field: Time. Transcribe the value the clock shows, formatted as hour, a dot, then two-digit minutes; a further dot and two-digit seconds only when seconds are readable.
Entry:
8.32
